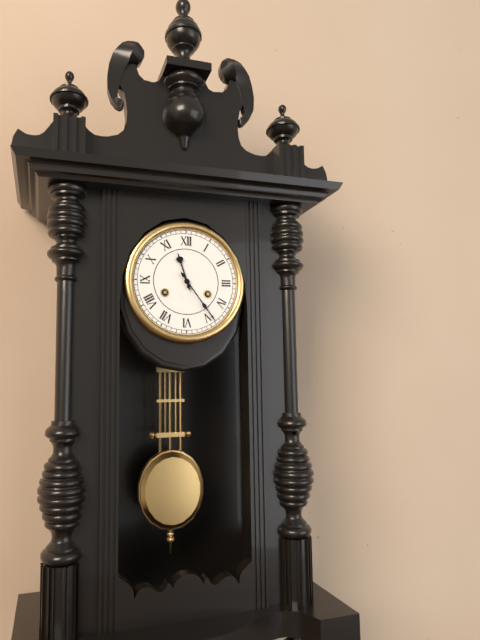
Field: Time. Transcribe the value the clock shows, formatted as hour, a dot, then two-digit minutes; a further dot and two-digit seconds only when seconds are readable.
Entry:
11.24
